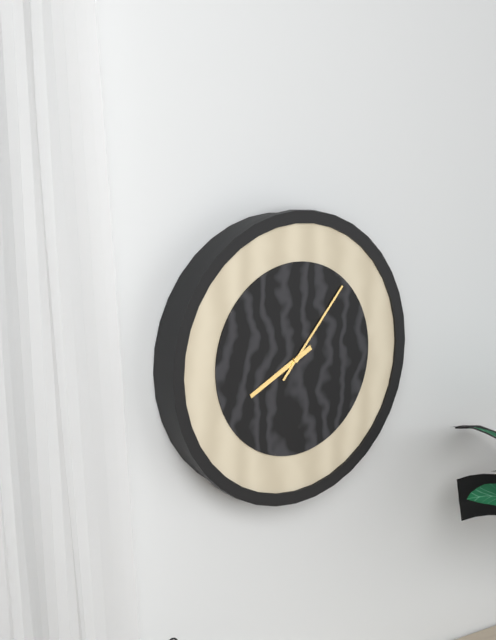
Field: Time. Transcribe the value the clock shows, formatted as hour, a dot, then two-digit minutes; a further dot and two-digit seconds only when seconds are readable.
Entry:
8.07
